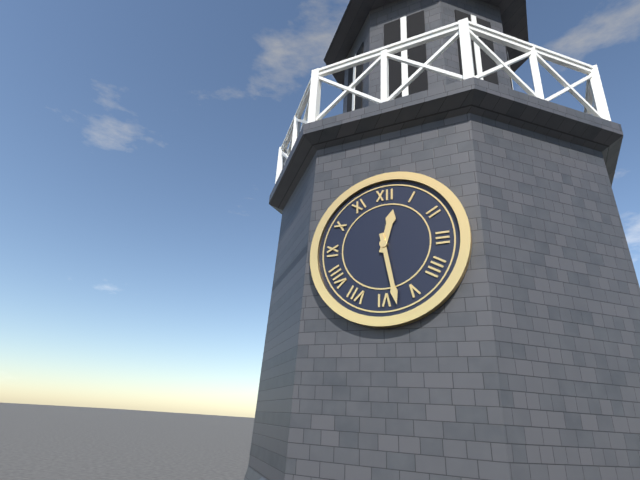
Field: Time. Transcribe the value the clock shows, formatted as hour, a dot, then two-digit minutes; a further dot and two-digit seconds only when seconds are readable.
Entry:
12.28
